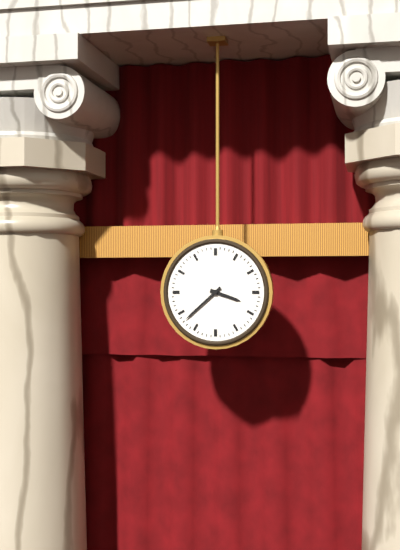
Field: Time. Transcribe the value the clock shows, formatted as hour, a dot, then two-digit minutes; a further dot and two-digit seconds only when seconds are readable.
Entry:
3.38
